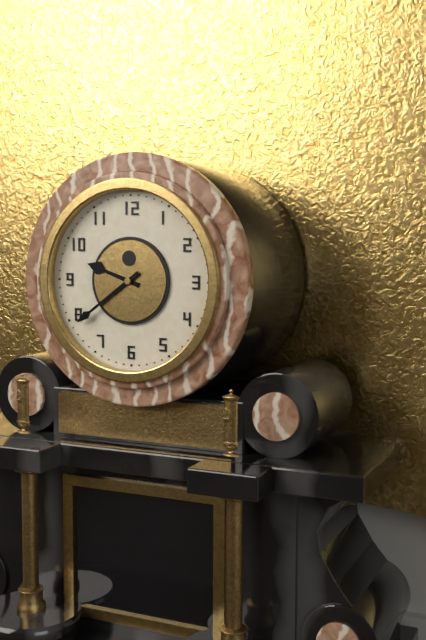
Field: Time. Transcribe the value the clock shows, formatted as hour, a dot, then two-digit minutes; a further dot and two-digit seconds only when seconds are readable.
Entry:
9.39
